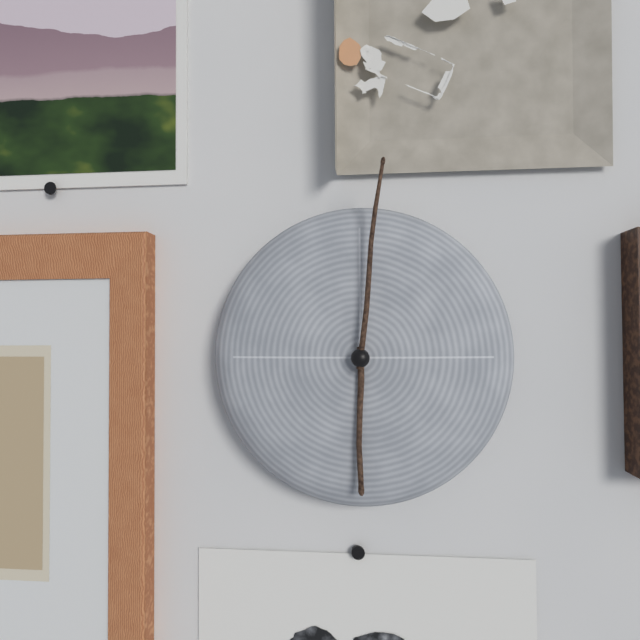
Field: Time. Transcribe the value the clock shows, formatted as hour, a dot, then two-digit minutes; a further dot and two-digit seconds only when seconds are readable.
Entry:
6.01
